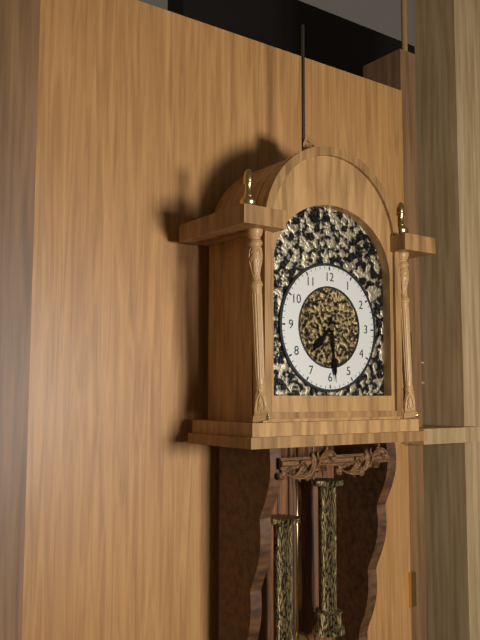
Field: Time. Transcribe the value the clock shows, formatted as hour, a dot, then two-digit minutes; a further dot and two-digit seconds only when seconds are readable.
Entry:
7.29
